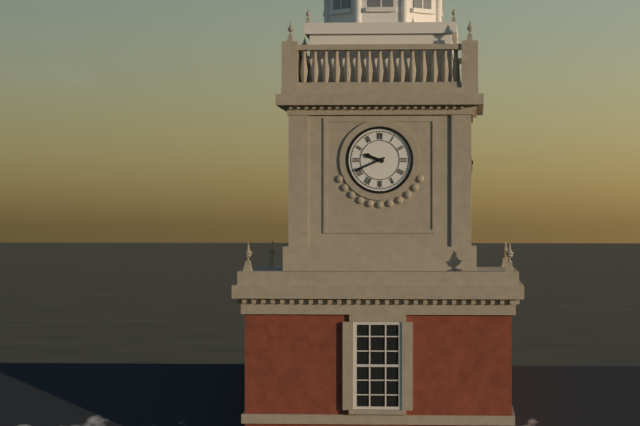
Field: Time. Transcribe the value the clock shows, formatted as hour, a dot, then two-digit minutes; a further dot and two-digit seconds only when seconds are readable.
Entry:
9.41
